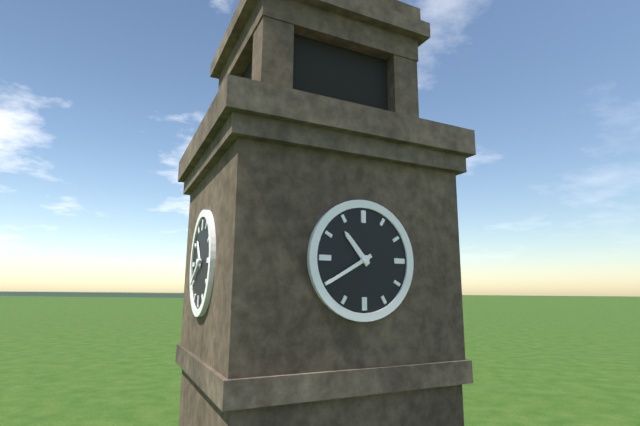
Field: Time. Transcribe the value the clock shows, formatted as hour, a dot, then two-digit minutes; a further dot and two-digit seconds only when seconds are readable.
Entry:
10.40
